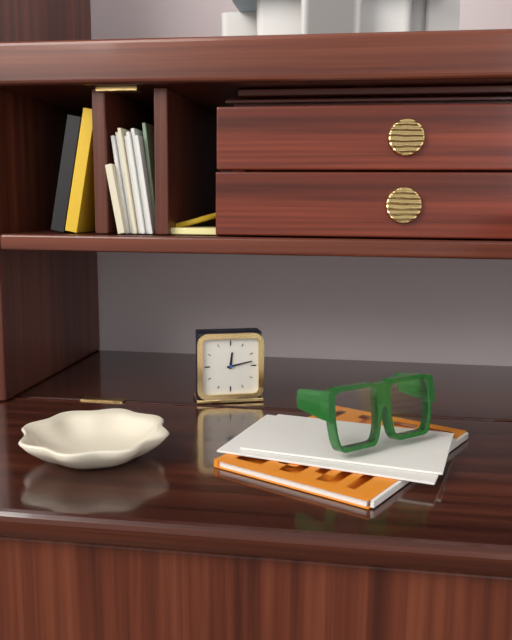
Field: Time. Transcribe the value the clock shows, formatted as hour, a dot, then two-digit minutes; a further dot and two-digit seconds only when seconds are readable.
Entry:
12.13
